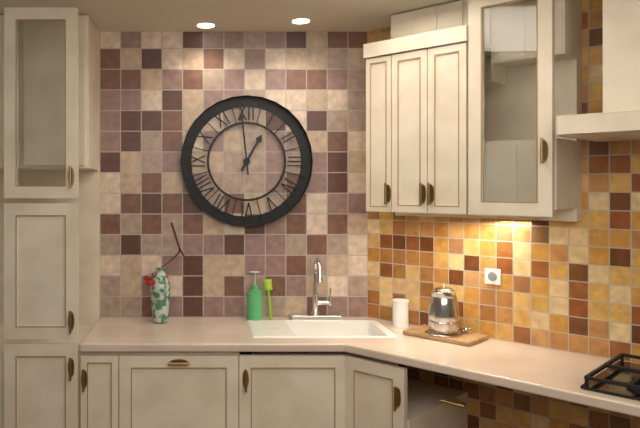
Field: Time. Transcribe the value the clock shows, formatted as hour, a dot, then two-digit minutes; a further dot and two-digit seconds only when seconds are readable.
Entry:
12.59
